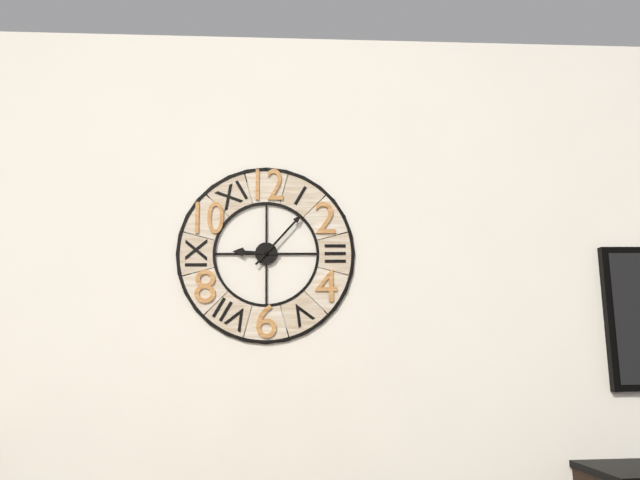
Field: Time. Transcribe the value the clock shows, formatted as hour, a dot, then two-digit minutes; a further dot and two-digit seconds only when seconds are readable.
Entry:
9.07
